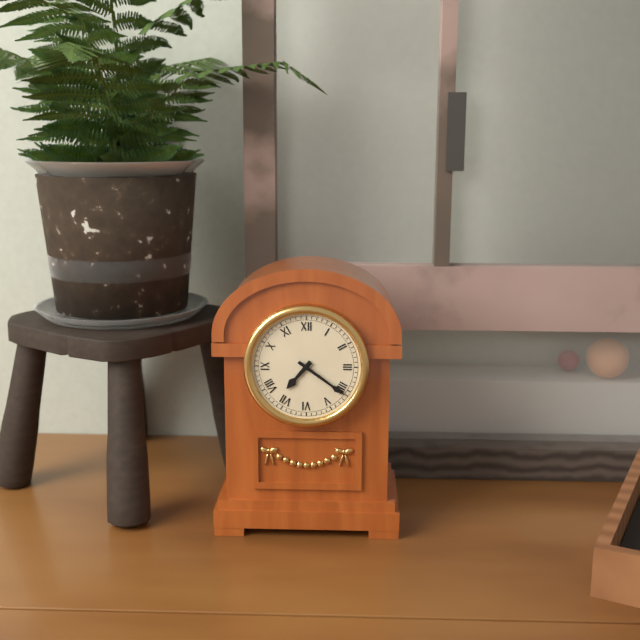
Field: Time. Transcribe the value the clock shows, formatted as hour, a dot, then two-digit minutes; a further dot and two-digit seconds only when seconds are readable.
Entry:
7.21
